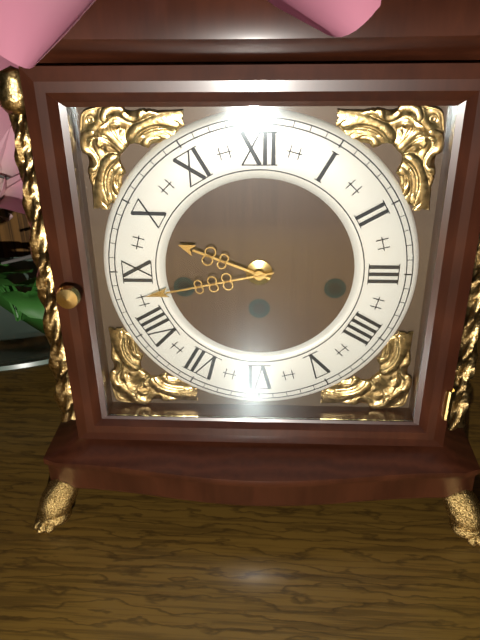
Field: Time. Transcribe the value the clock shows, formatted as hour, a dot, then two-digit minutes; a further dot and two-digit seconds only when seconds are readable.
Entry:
9.43
